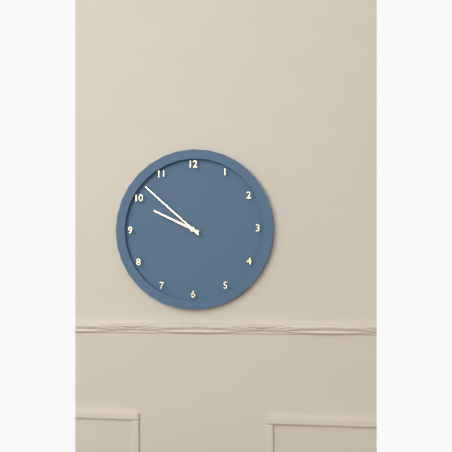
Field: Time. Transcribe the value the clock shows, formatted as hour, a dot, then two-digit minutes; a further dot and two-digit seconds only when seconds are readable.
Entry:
9.52
